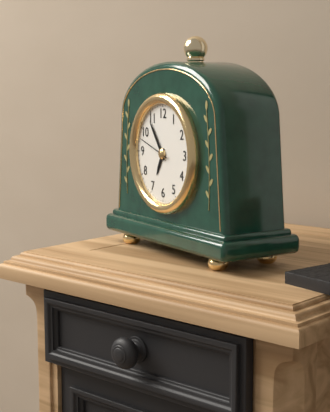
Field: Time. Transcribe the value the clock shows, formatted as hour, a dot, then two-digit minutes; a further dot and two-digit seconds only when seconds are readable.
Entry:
6.54.48
